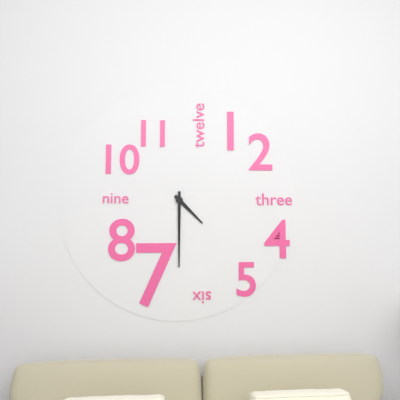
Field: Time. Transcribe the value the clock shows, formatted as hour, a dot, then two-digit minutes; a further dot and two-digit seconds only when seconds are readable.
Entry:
4.30
